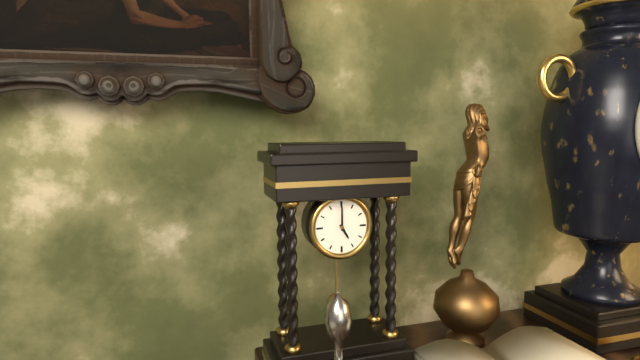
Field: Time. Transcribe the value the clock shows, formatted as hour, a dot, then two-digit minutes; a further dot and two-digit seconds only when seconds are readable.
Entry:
5.00
